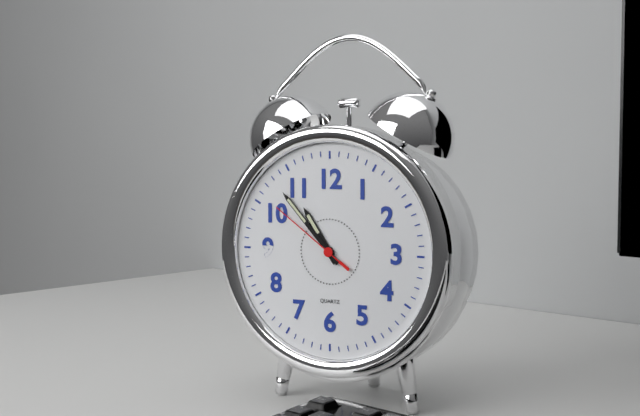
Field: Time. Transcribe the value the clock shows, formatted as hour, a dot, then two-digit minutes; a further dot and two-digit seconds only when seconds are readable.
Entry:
10.53.51
